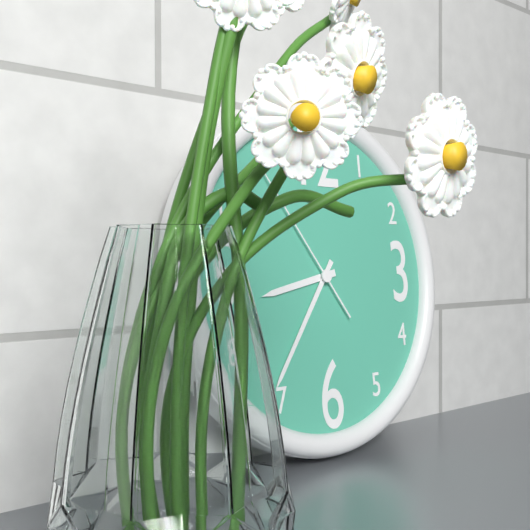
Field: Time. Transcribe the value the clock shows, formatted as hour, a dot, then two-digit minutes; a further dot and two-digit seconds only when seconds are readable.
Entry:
8.36
